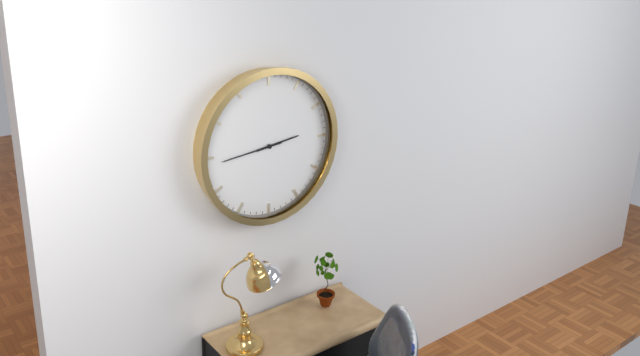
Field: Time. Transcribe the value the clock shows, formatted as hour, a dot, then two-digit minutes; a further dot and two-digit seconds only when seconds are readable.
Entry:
2.44
